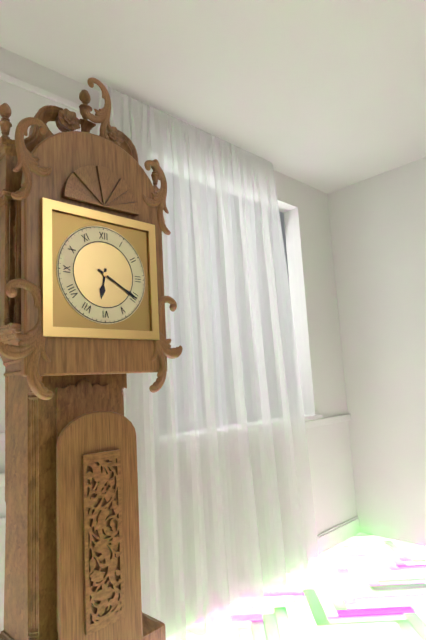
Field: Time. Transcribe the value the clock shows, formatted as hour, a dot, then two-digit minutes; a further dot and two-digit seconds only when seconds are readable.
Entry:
6.20
